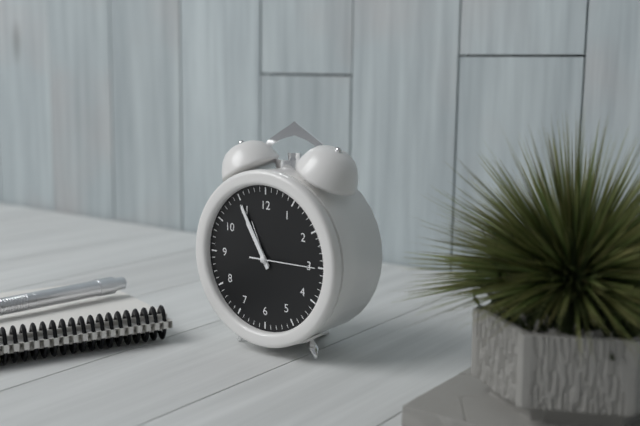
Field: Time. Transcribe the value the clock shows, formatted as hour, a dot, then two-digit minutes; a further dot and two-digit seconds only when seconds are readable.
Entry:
10.55.15
